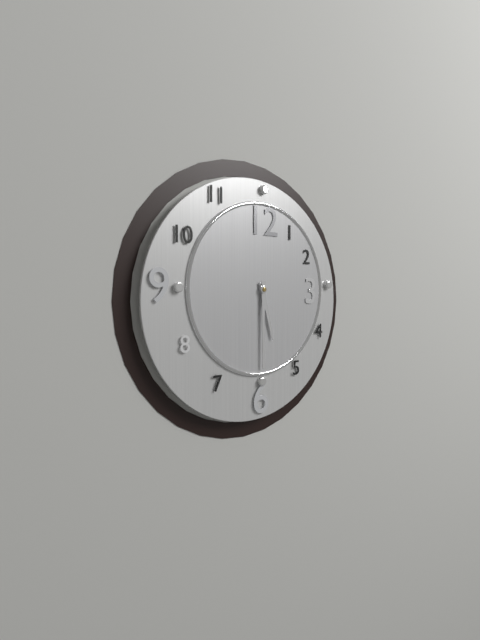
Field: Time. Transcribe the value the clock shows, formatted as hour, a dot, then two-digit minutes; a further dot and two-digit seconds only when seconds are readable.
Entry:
5.30
